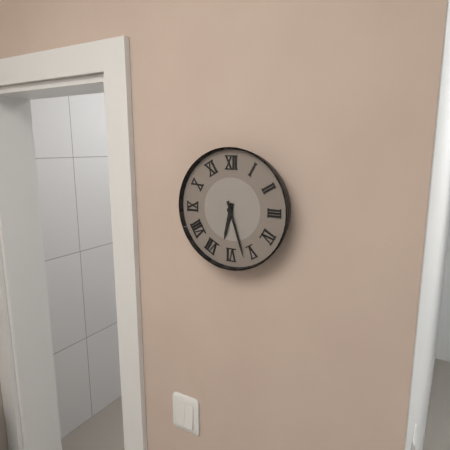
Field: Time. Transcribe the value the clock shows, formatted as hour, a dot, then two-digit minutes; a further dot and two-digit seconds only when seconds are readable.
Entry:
6.27
